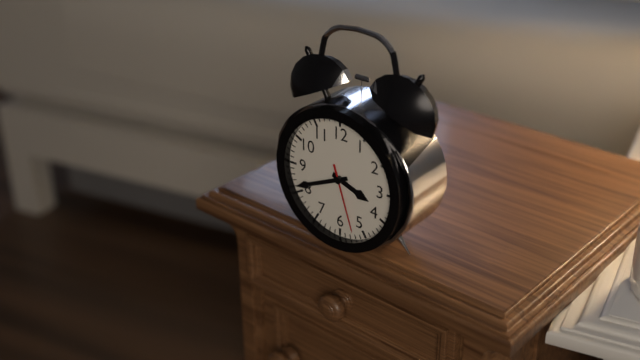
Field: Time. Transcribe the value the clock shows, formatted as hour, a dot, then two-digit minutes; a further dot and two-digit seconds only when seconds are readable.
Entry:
3.41.27
